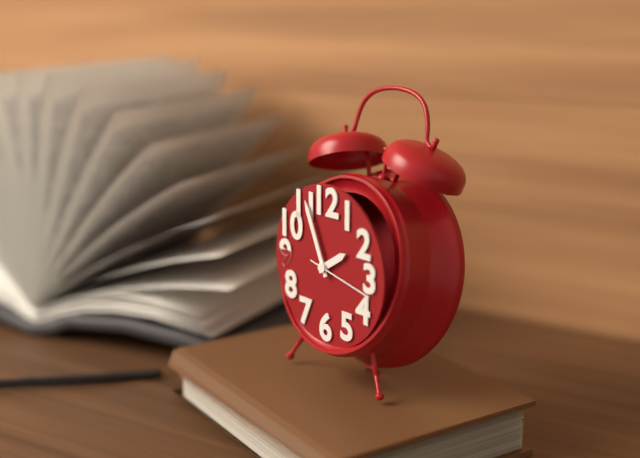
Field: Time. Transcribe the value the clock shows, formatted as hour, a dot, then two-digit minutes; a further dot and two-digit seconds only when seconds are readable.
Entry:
1.56.17
